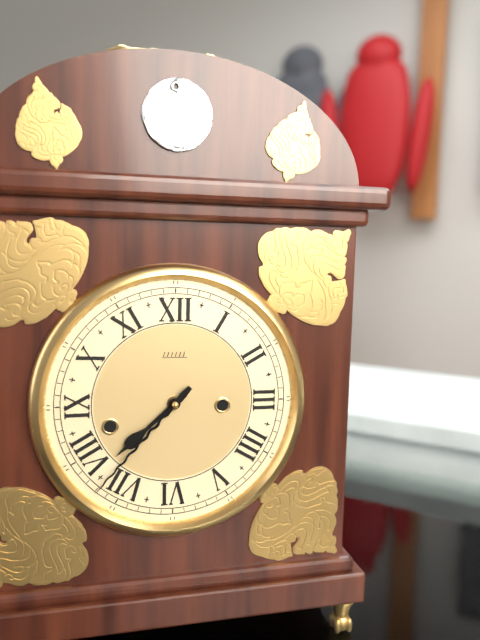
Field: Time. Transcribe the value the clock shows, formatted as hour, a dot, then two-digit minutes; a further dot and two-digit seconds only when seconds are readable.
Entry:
7.37
